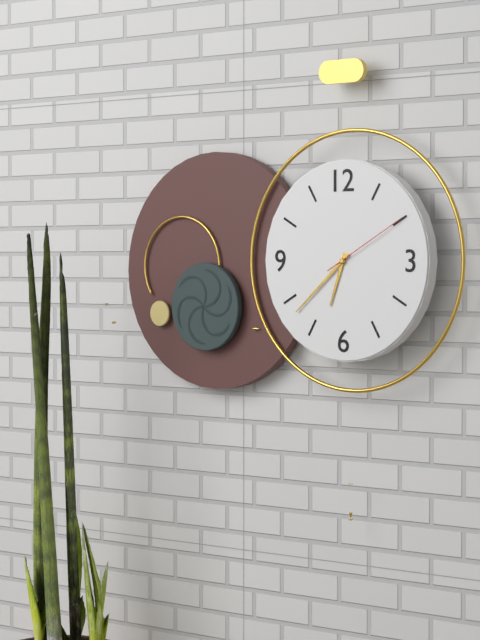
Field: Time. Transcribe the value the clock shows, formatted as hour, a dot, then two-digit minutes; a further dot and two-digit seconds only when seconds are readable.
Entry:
6.38.10
